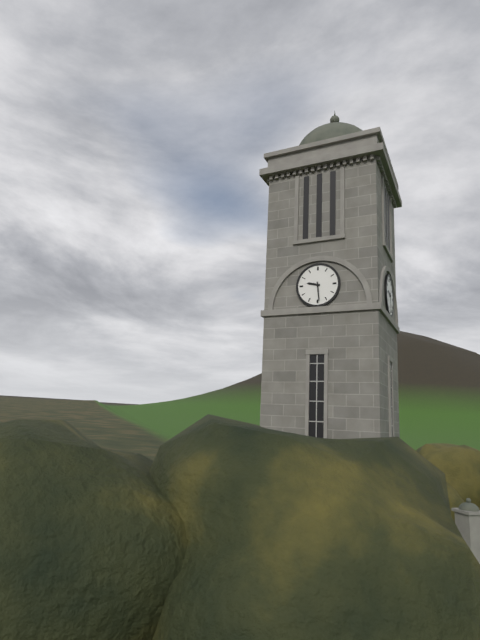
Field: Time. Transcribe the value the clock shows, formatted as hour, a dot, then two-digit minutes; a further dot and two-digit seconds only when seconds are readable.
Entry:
9.29
